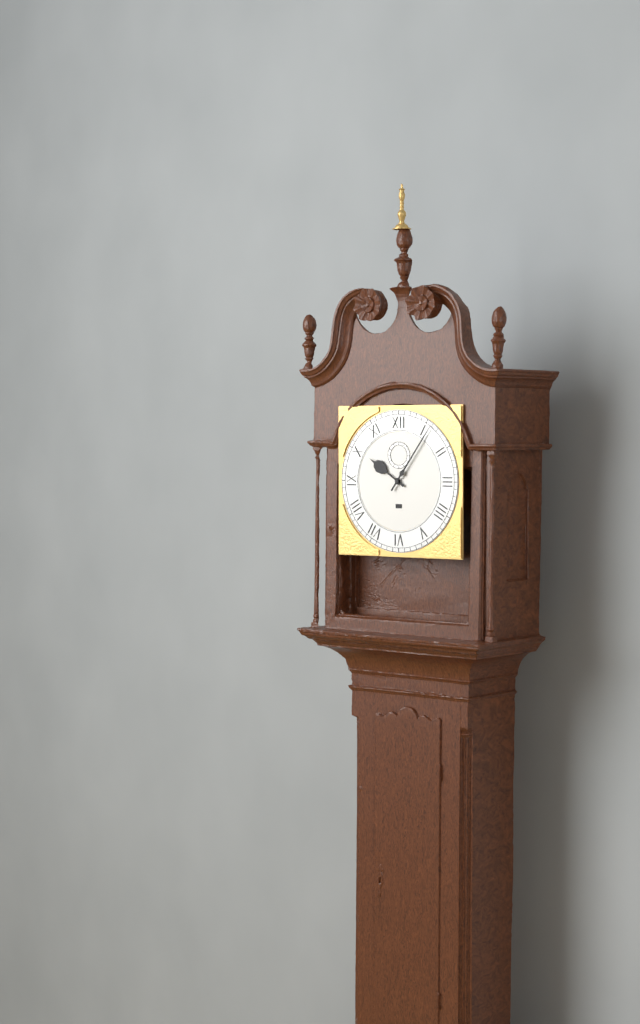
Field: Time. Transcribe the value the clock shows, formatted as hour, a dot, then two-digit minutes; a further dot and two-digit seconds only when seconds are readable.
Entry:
10.06
